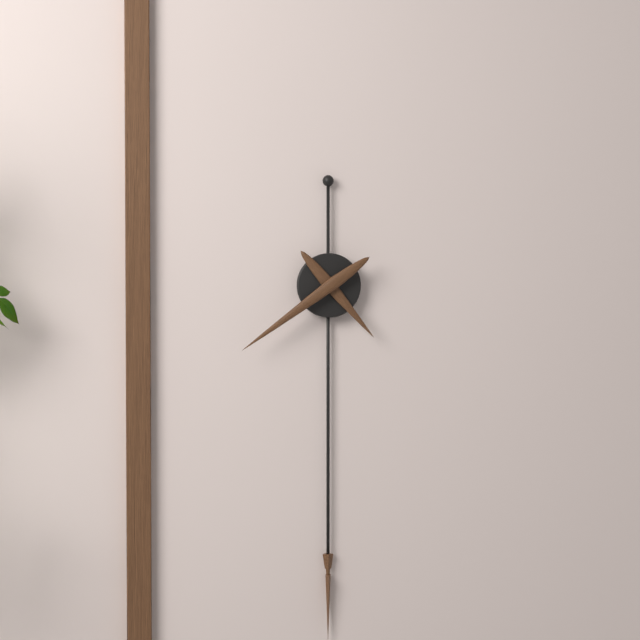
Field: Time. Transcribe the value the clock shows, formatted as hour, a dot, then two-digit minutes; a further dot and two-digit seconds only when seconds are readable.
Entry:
4.39
